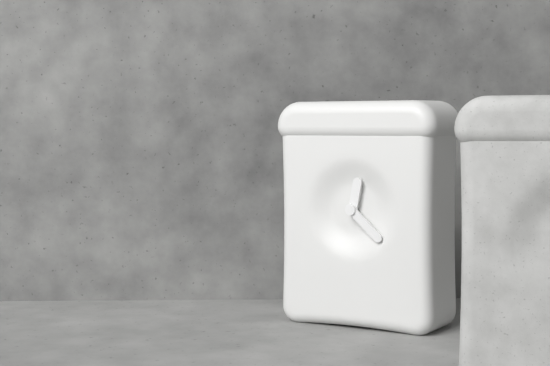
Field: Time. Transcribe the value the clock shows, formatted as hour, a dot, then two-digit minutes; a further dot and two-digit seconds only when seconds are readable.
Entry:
12.22
